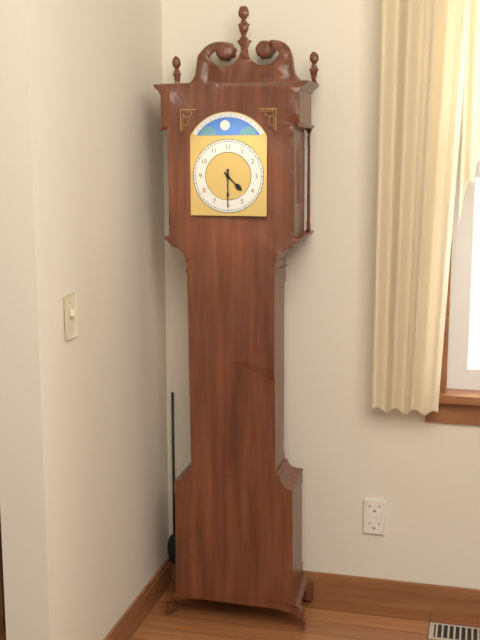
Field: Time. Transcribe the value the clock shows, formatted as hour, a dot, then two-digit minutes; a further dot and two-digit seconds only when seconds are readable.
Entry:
4.30
